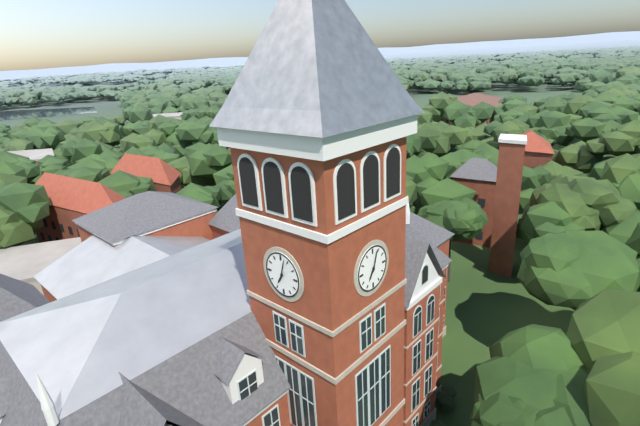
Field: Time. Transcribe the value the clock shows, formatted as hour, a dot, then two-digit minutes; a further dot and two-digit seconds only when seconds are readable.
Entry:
7.03
